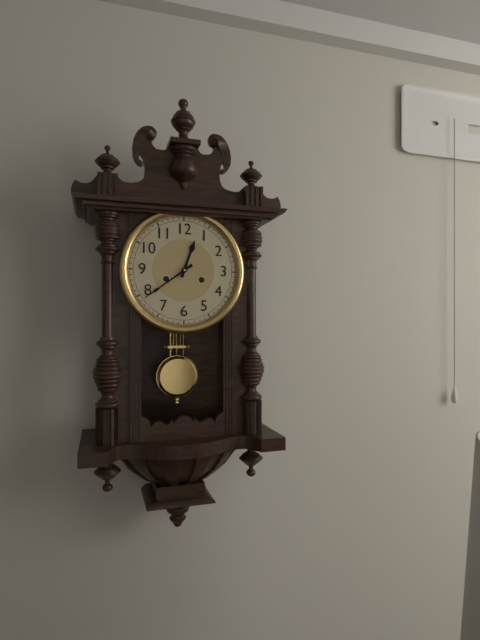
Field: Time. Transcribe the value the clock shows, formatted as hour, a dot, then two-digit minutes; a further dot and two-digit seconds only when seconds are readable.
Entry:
12.39
